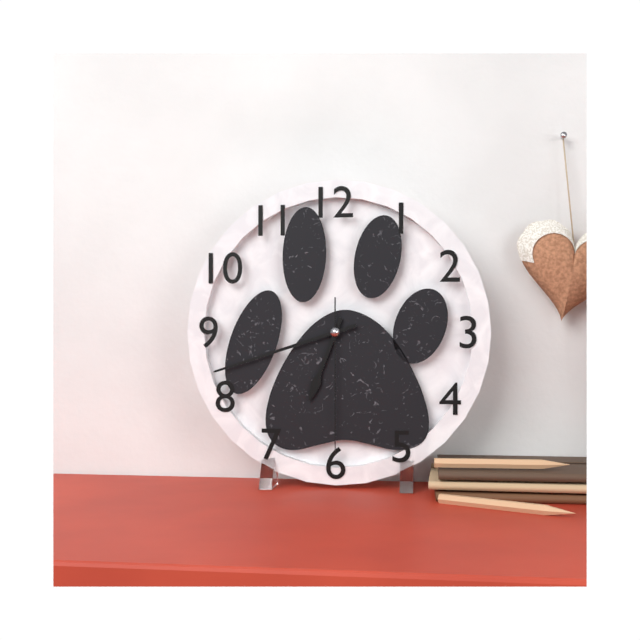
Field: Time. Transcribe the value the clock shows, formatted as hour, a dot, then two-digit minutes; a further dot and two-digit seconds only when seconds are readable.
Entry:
6.42.30
